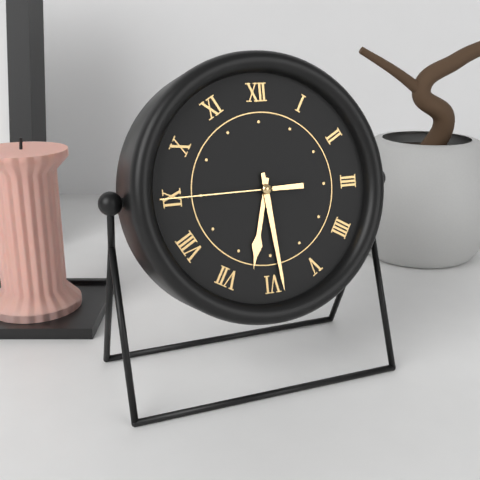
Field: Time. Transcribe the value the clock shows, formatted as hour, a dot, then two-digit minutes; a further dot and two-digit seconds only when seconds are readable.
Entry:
6.29.45
